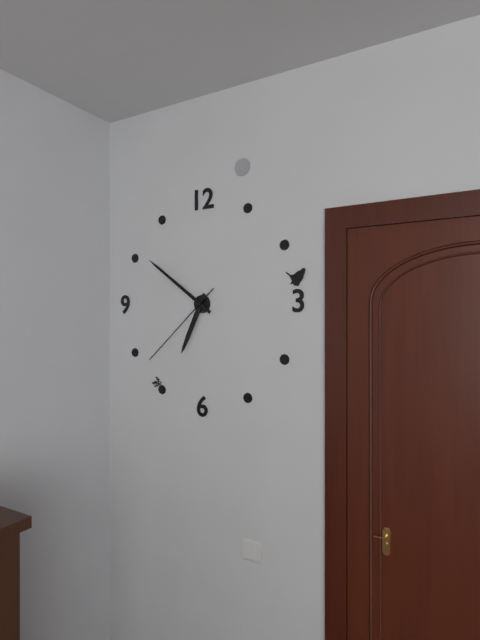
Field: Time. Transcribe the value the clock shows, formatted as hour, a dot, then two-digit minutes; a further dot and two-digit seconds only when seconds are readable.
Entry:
6.51.38
